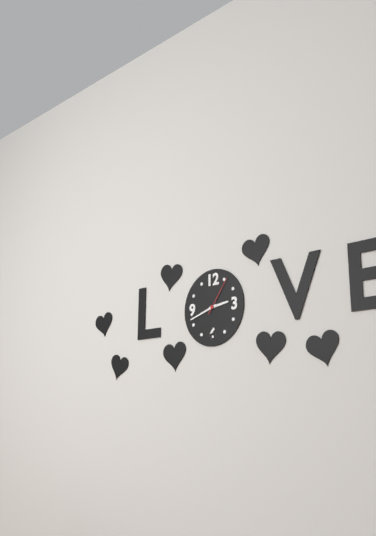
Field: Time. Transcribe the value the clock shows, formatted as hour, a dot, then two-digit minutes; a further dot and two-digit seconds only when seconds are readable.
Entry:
2.42
